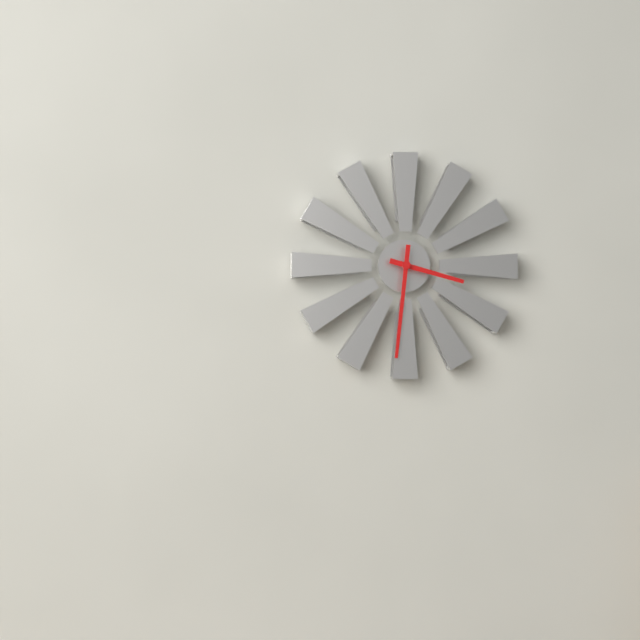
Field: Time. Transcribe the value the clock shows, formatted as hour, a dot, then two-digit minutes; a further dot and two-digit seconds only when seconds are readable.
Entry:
3.31
